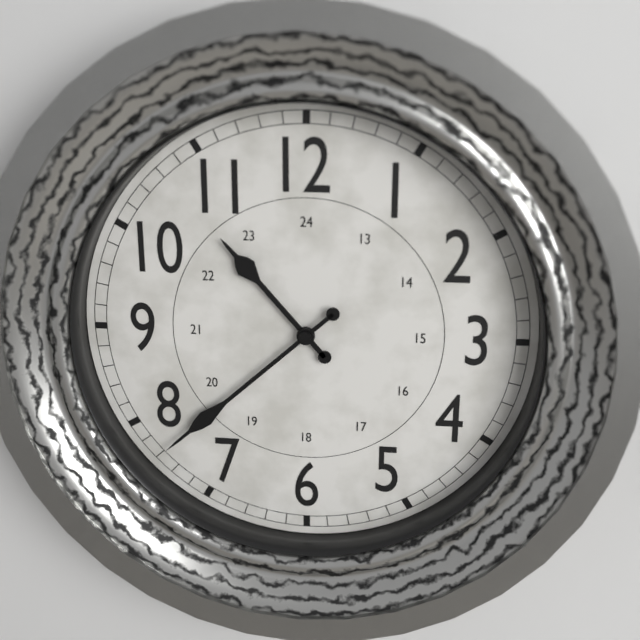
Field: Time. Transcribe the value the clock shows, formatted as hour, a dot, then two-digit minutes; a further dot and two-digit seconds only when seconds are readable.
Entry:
10.38
